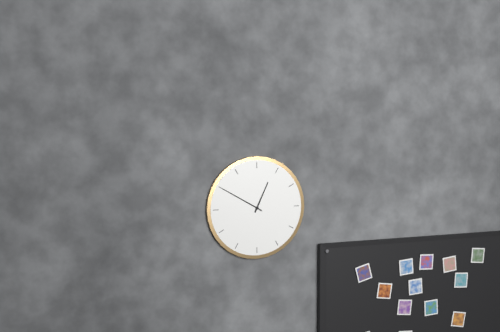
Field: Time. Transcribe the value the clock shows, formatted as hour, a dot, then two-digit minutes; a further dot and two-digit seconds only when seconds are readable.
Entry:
12.50
